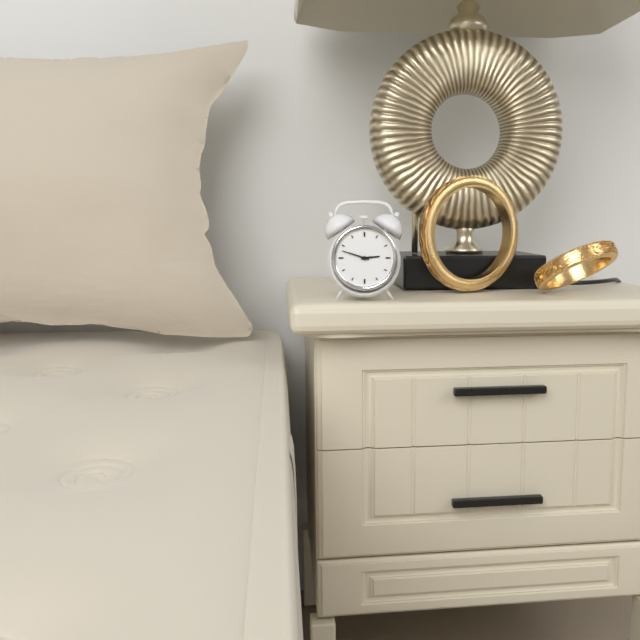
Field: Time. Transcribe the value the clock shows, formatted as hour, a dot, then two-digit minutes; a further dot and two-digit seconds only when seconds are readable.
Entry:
2.48
